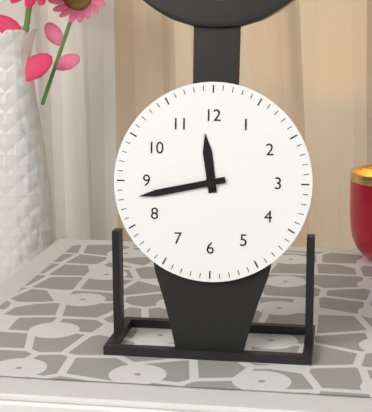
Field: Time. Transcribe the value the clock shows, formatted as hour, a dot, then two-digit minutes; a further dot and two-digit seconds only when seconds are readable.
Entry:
11.43
